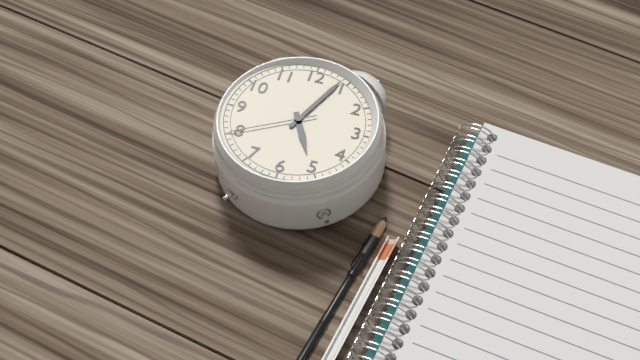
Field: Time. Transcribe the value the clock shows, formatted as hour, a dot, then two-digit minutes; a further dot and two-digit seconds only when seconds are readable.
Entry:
5.04.40
